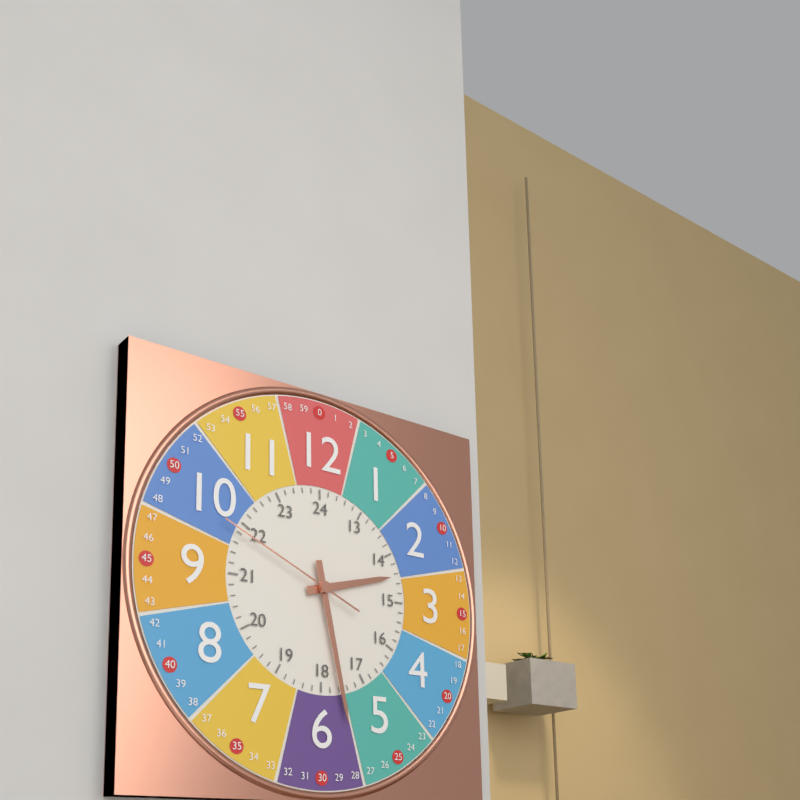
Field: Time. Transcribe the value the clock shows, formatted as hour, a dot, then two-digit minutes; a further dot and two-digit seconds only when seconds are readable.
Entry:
2.28.49
